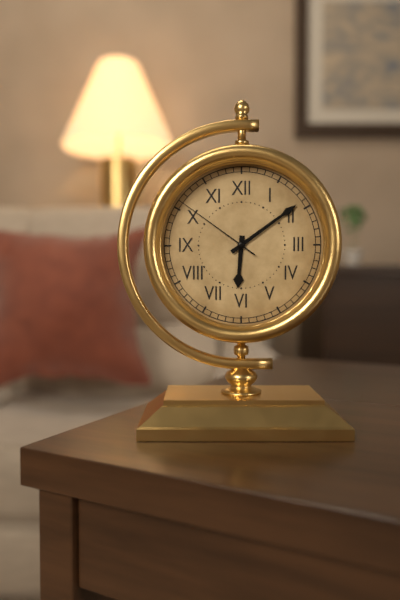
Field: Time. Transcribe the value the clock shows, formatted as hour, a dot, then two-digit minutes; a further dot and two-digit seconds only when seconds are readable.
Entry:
6.09.51
